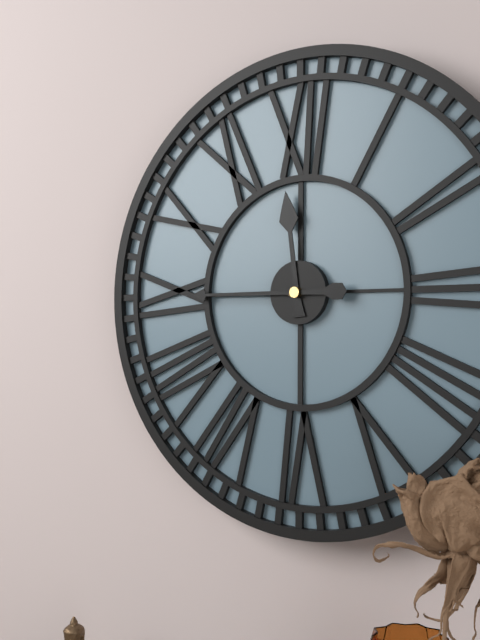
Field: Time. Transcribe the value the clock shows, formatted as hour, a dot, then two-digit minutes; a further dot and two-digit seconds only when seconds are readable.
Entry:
11.45
